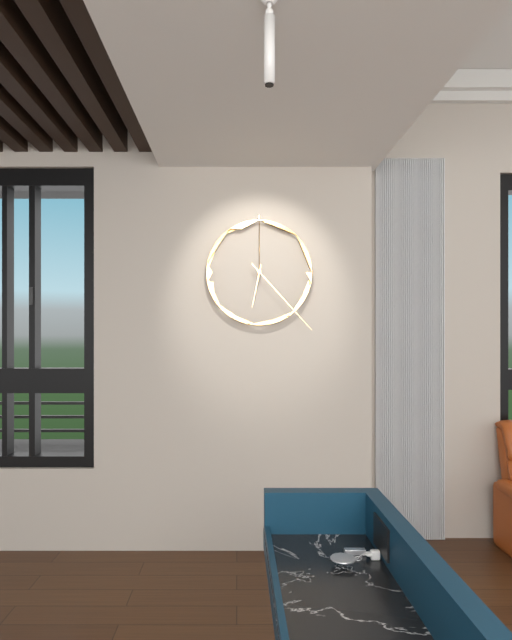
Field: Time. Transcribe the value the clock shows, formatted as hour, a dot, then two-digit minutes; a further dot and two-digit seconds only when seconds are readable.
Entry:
6.23
